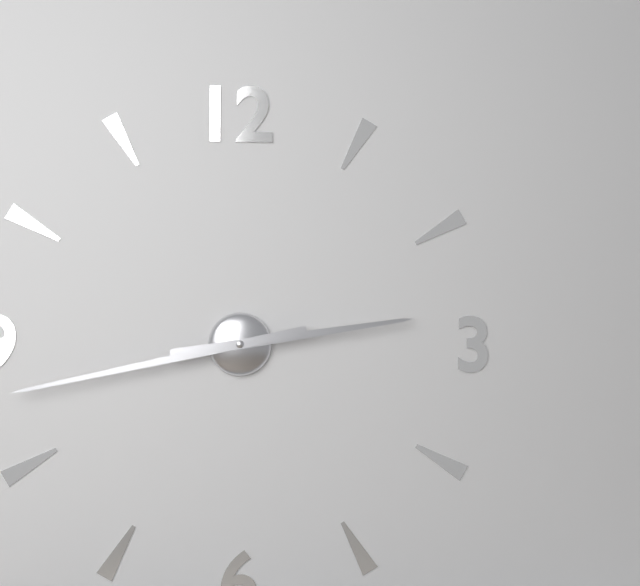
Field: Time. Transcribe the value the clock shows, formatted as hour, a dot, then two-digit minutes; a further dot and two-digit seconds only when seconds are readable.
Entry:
2.43
